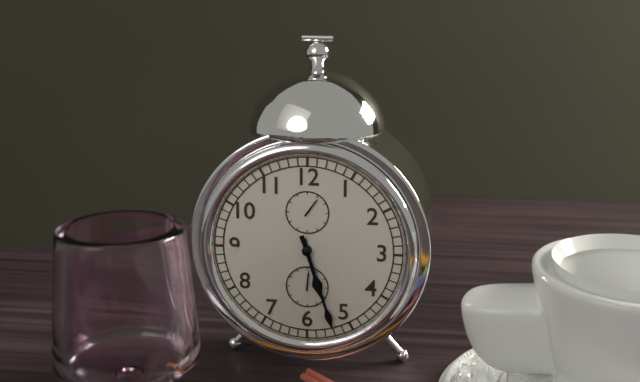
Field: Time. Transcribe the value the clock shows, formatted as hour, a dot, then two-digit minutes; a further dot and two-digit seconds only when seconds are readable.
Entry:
5.27
